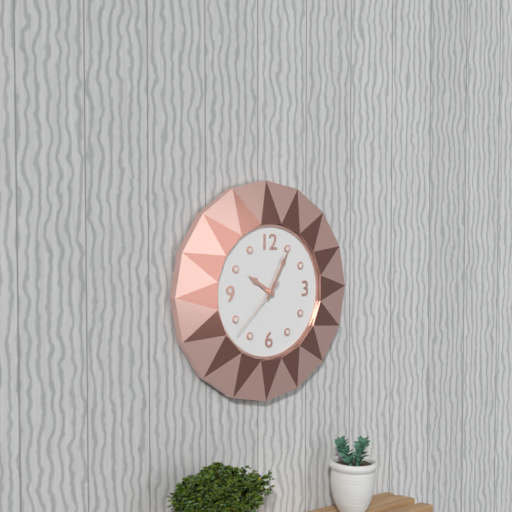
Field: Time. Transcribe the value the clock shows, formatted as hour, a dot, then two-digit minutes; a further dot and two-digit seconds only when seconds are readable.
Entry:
10.05.38
